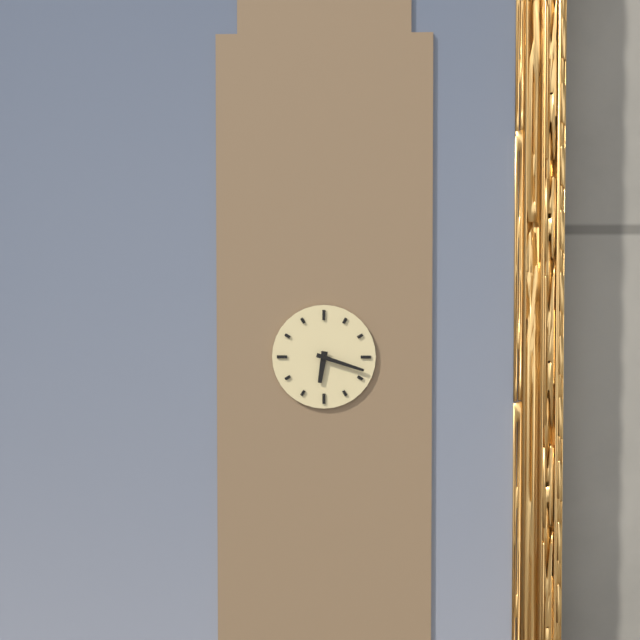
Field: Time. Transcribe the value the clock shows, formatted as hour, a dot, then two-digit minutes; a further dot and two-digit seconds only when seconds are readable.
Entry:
6.18
